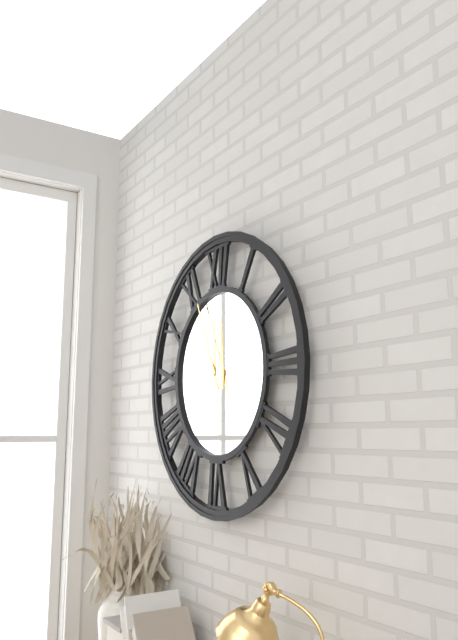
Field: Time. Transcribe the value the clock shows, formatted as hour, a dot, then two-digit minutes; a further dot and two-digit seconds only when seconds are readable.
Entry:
11.56
